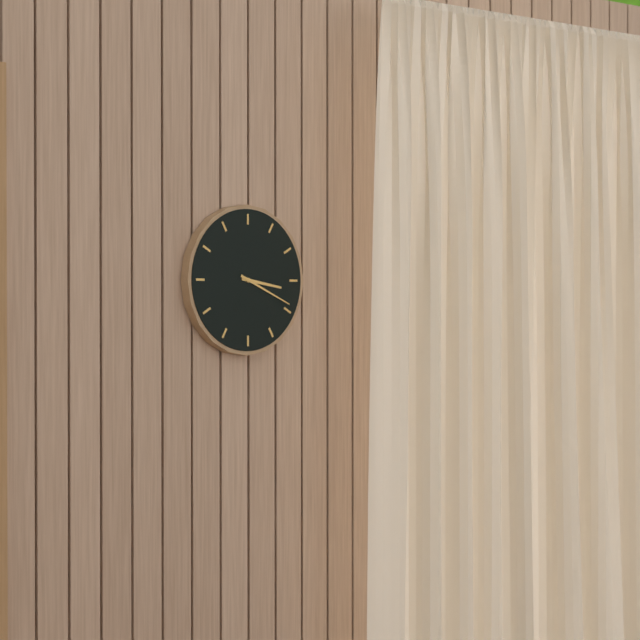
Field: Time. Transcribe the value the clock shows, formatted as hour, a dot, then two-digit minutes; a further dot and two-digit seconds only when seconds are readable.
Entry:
3.19
